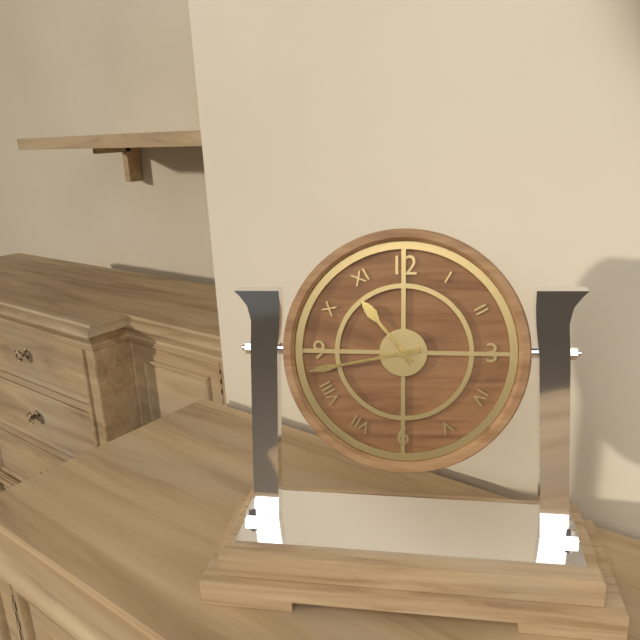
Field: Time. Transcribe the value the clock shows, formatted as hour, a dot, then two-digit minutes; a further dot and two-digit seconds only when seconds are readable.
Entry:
10.43
